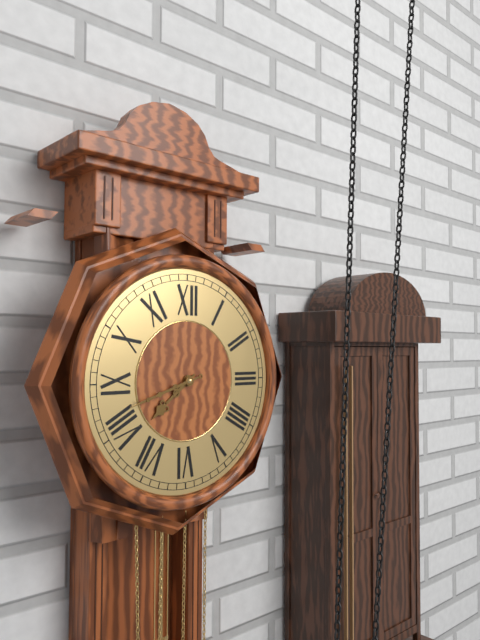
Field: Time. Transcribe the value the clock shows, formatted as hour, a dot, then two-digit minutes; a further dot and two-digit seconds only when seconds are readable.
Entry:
7.42
